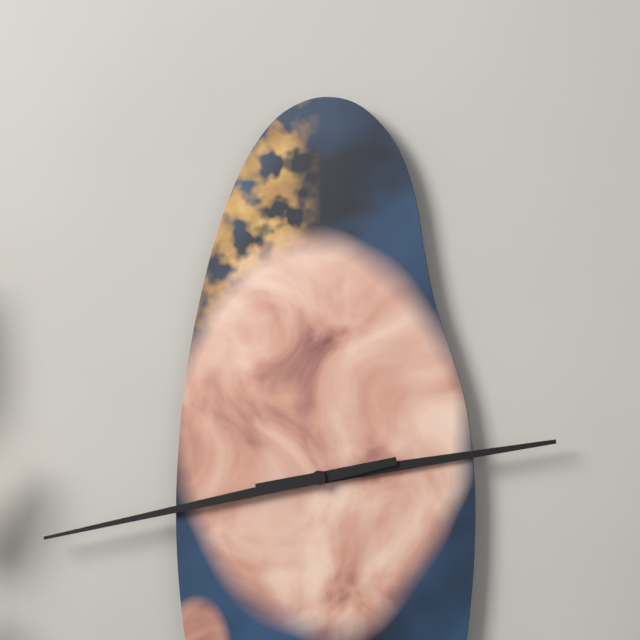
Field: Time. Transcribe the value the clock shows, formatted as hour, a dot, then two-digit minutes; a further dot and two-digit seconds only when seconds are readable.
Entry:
2.43
